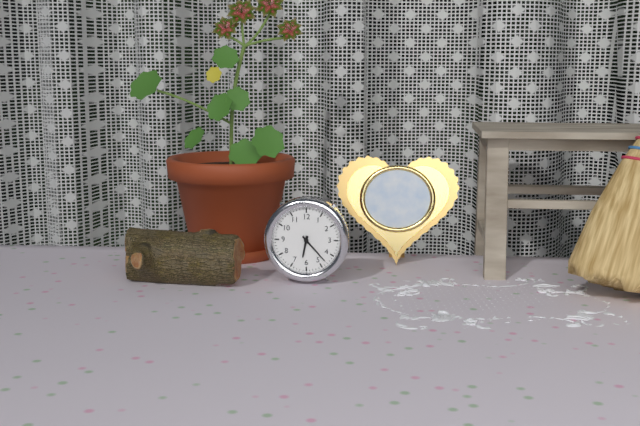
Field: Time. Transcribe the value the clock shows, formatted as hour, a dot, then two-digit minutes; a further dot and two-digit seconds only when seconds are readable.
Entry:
6.23
